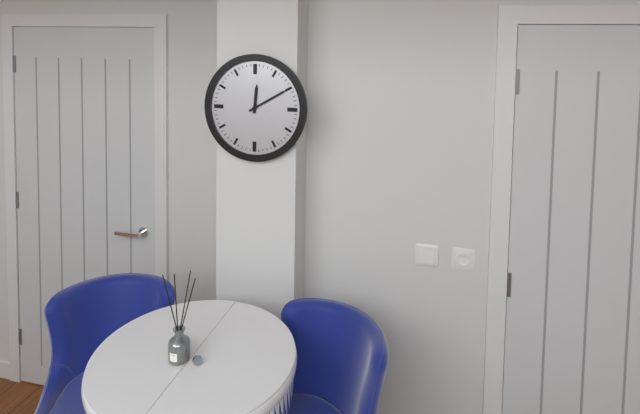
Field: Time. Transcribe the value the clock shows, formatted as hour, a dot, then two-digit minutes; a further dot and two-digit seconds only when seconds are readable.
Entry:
12.10
